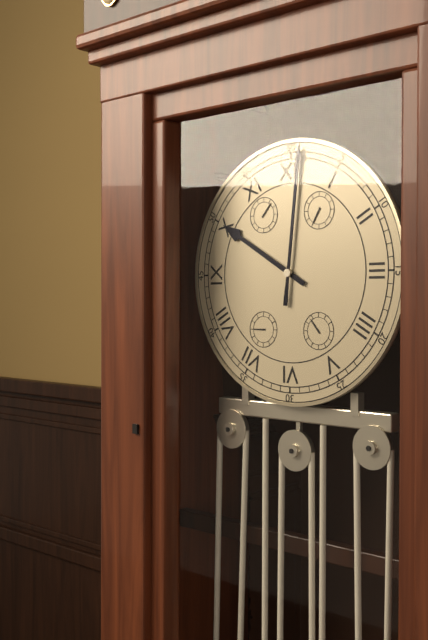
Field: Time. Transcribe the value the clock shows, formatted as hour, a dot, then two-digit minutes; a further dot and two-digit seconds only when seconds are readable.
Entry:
10.01
